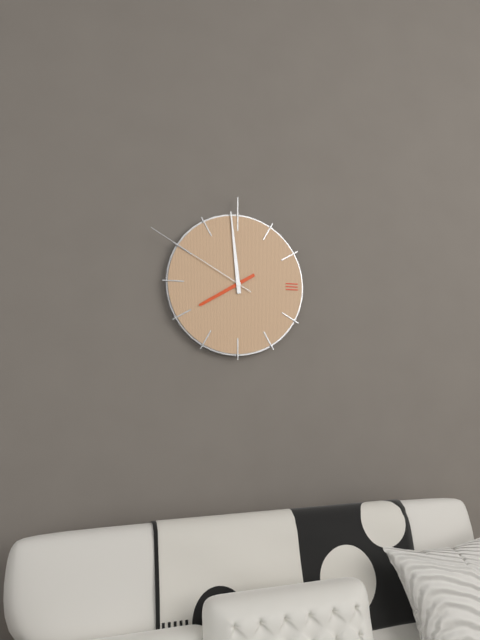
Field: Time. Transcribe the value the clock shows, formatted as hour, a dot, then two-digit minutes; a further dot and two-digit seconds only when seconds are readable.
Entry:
7.59.50
